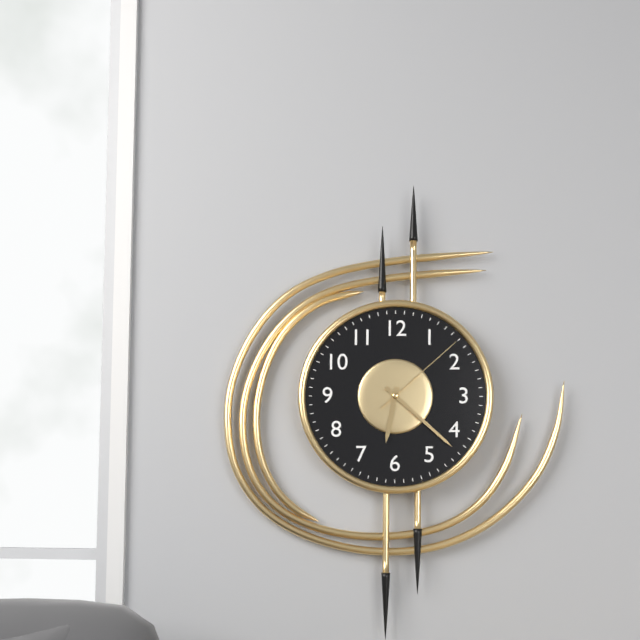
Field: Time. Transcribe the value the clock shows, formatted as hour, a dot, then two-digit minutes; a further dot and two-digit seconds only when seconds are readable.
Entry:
6.22.08
